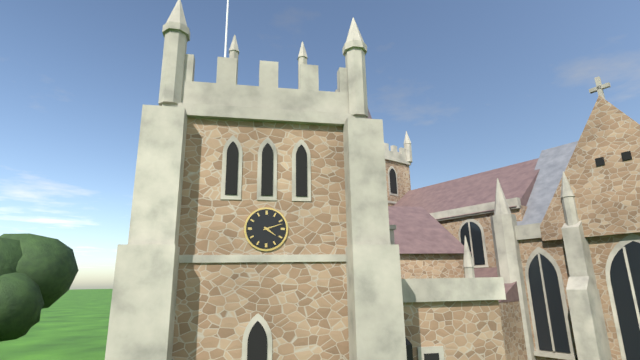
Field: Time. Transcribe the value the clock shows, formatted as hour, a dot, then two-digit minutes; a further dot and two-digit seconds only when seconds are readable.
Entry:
4.12
